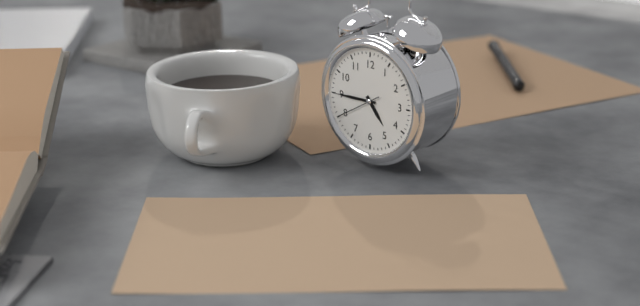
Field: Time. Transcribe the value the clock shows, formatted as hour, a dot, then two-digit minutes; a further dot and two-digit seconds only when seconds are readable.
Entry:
4.45
